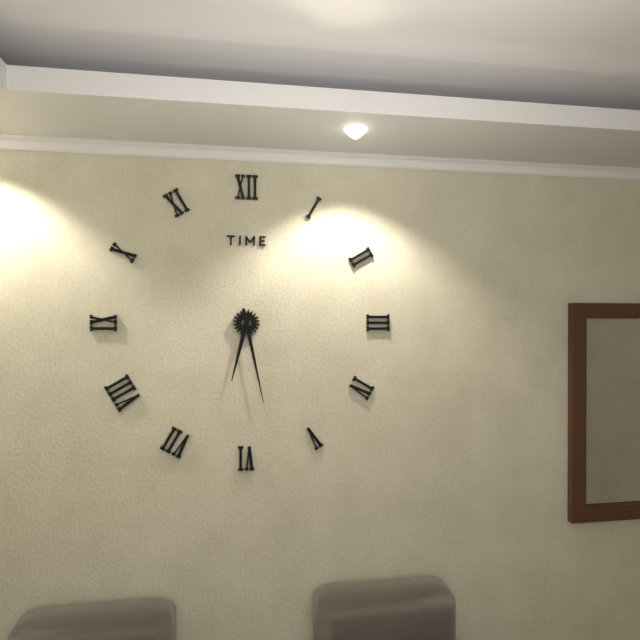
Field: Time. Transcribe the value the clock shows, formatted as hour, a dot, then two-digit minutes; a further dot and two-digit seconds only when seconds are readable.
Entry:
6.28
